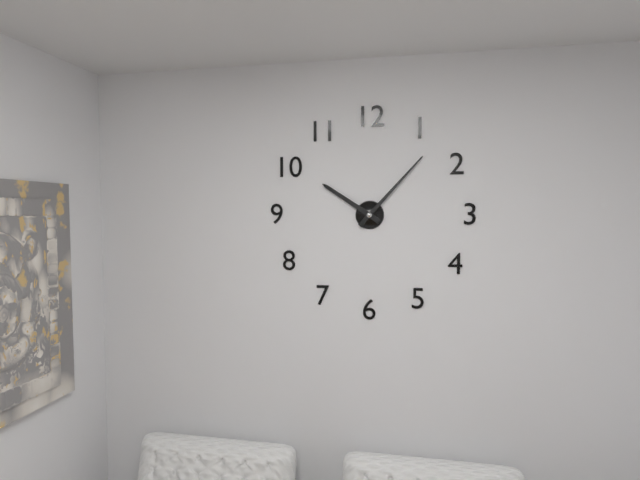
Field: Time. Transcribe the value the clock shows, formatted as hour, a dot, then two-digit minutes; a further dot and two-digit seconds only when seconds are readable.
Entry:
10.07
